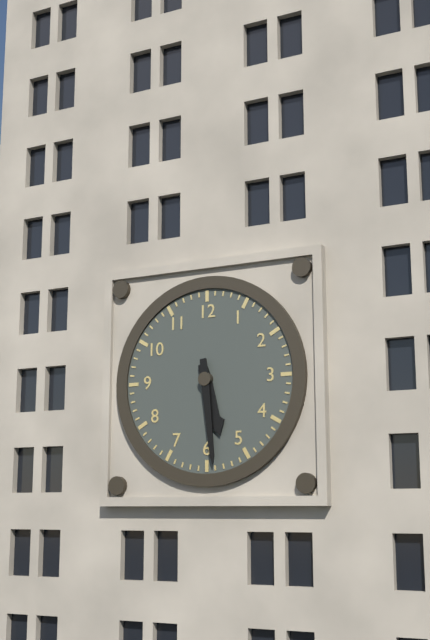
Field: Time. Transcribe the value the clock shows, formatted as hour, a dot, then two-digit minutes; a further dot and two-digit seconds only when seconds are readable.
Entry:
5.29
